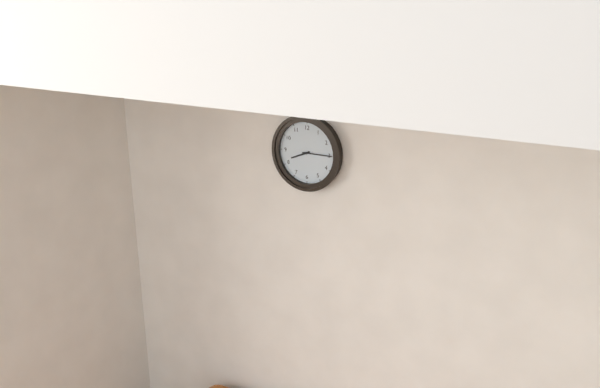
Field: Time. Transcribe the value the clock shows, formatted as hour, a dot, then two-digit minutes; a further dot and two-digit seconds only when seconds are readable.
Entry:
8.15
